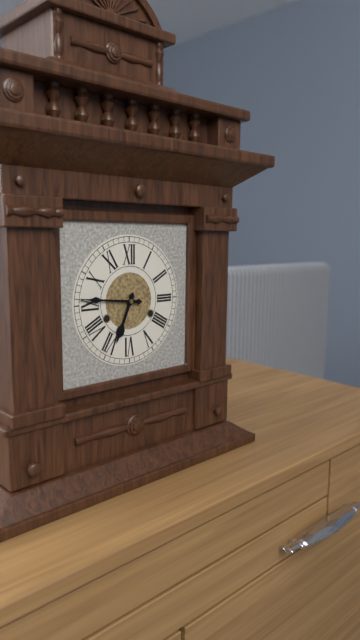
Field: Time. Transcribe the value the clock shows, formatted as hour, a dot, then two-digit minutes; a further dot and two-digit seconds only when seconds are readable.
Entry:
6.46
